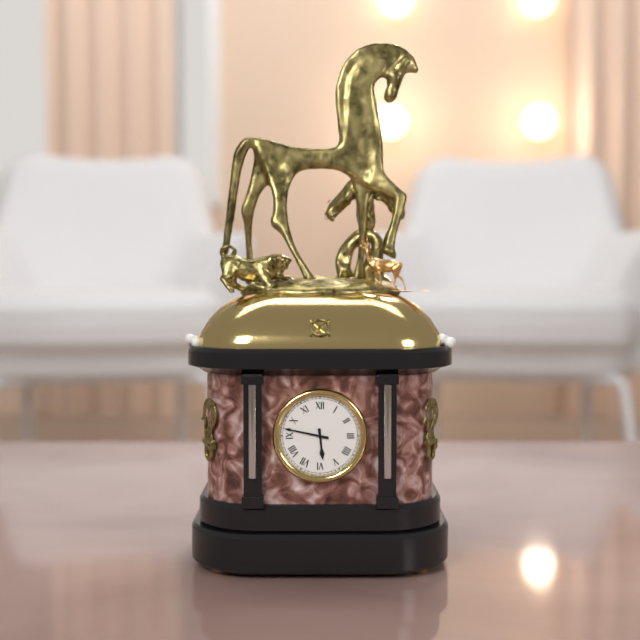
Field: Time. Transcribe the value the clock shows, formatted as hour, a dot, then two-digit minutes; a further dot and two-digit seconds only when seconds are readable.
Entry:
5.47
